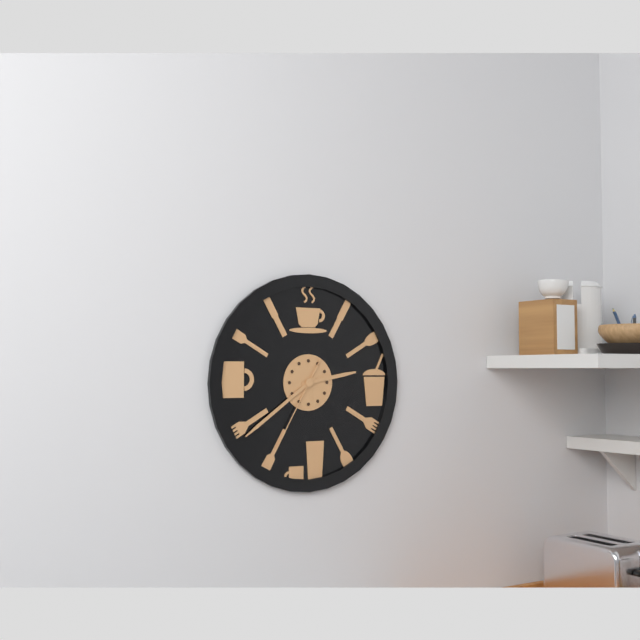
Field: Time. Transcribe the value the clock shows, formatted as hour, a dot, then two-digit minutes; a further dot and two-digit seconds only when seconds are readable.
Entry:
2.39.35
